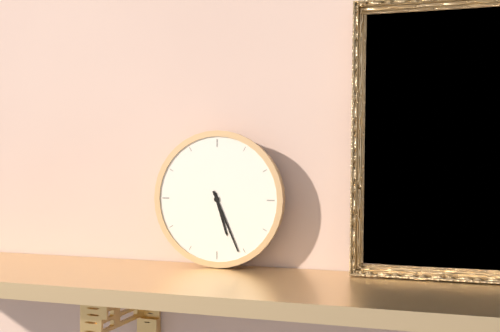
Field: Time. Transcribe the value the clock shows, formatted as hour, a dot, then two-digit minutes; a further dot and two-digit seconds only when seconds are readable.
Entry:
5.26
